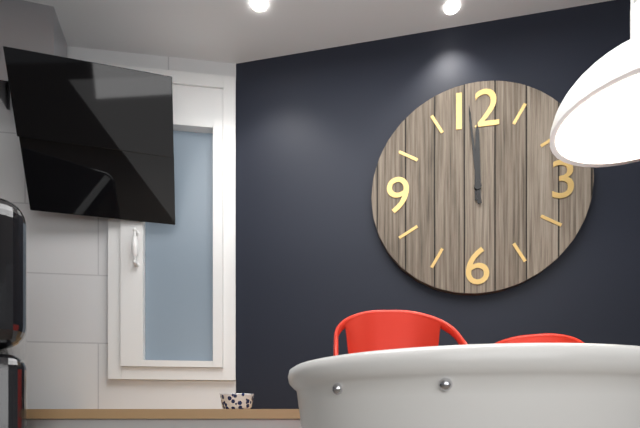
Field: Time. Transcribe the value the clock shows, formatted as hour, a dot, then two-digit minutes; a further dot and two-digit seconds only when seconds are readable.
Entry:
11.59
